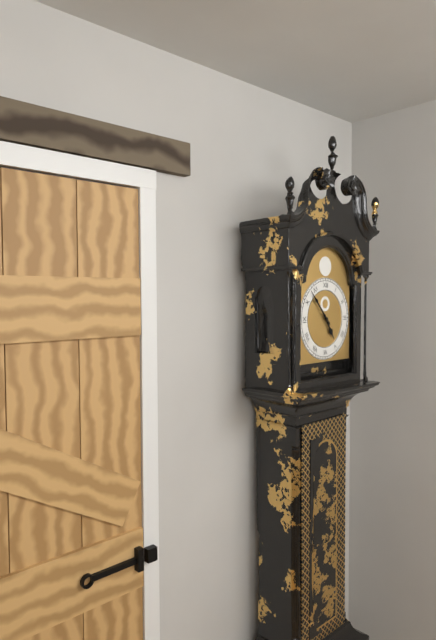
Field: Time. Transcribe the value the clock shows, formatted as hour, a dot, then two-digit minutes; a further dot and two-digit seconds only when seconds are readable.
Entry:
4.53
